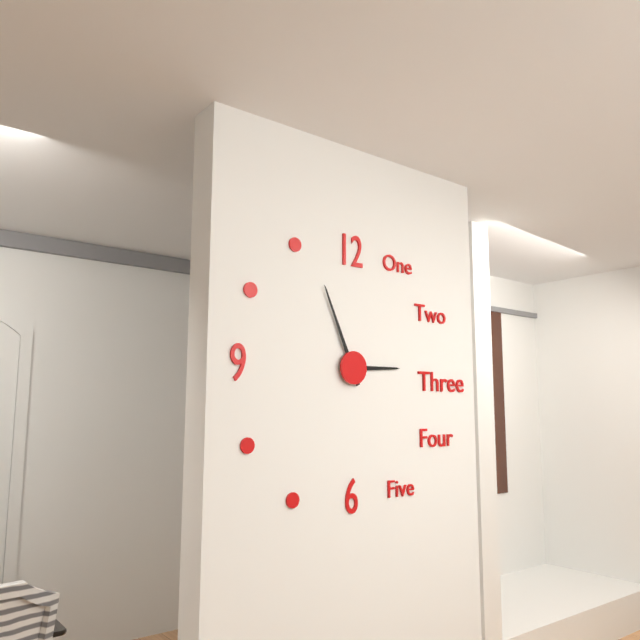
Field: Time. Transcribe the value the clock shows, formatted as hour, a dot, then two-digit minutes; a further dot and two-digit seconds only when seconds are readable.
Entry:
2.56
